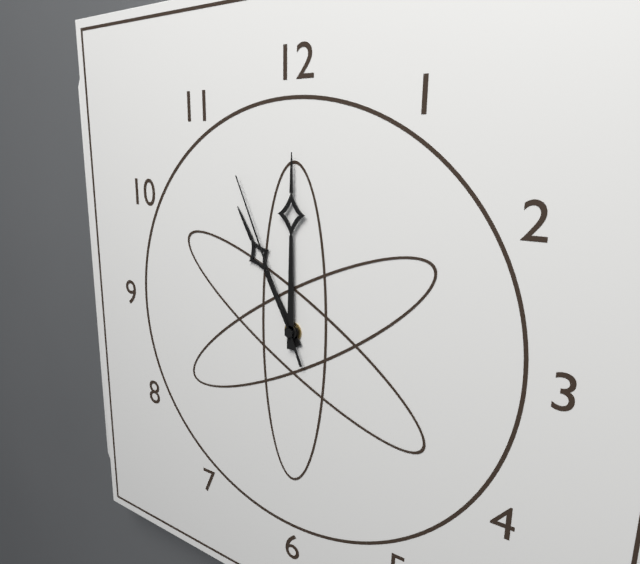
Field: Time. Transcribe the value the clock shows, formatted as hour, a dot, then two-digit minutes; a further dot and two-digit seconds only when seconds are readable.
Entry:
11.00.56
